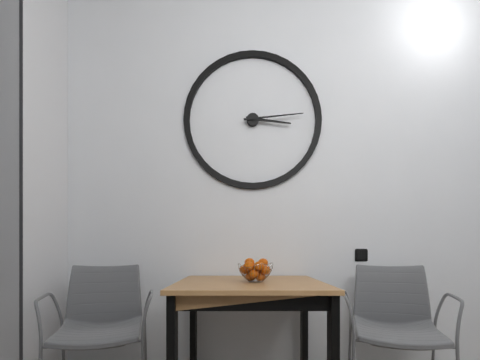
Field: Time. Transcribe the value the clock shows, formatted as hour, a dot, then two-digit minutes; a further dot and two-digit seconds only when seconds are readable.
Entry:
3.14
